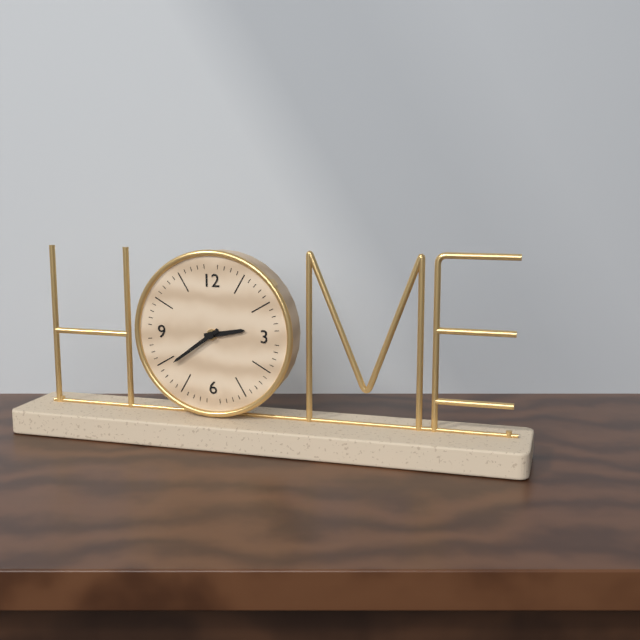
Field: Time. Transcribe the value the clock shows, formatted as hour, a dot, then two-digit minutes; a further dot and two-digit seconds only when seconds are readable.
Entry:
2.39
